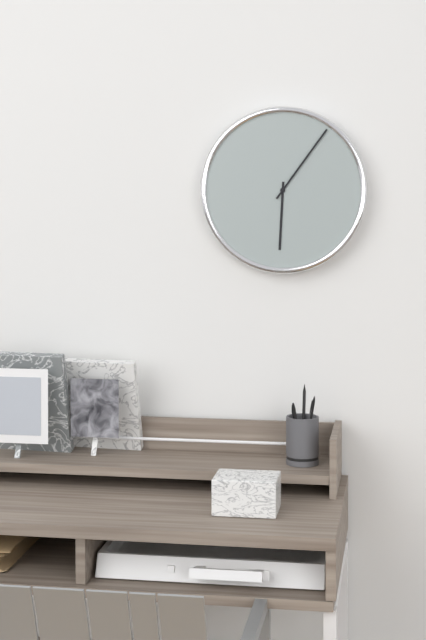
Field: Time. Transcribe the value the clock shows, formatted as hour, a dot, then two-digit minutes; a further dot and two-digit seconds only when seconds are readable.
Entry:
6.06
